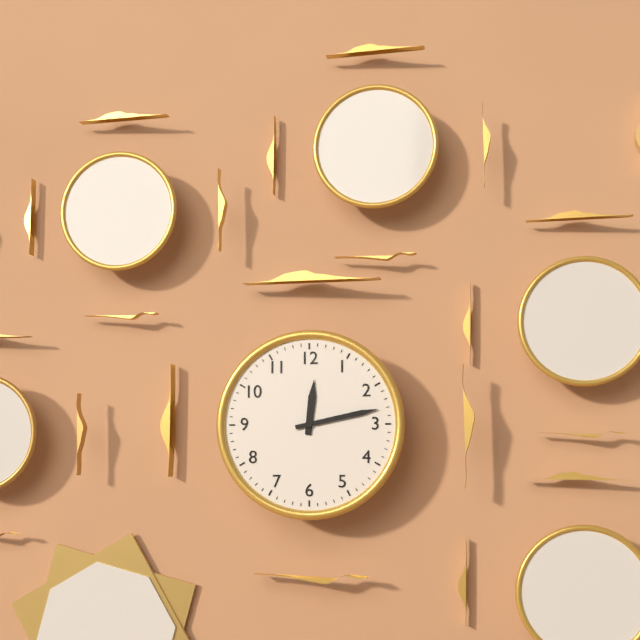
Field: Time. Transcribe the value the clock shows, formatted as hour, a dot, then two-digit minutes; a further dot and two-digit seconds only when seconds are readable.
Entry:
12.13
